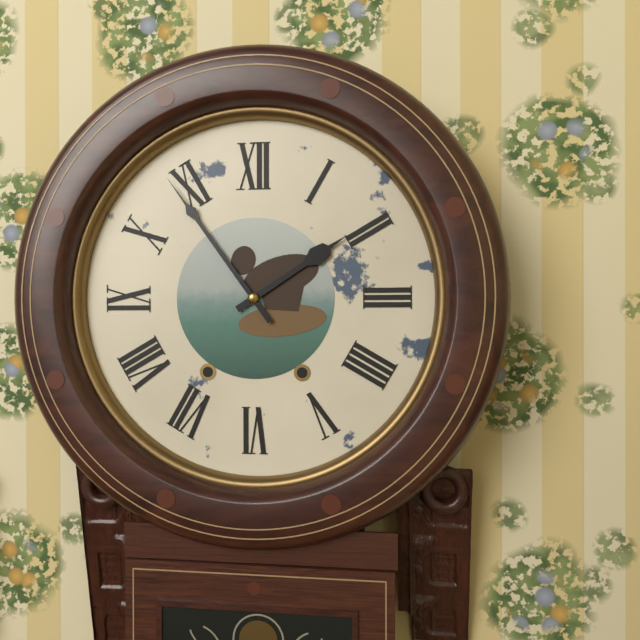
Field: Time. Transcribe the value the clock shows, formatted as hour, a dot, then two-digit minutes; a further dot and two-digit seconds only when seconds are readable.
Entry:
1.54
